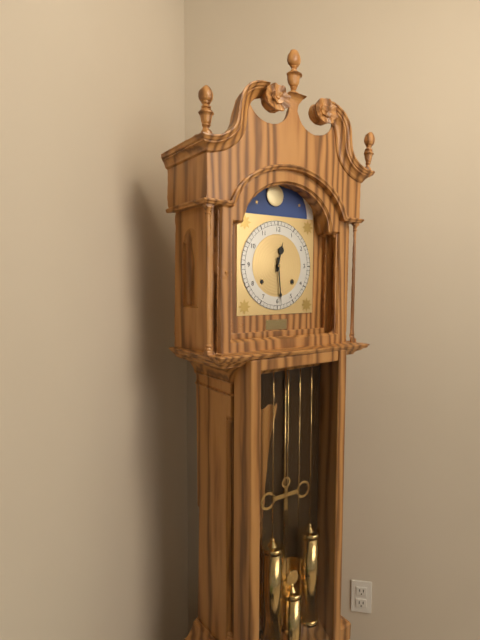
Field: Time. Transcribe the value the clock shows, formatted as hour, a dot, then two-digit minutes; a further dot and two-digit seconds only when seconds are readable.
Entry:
12.29
